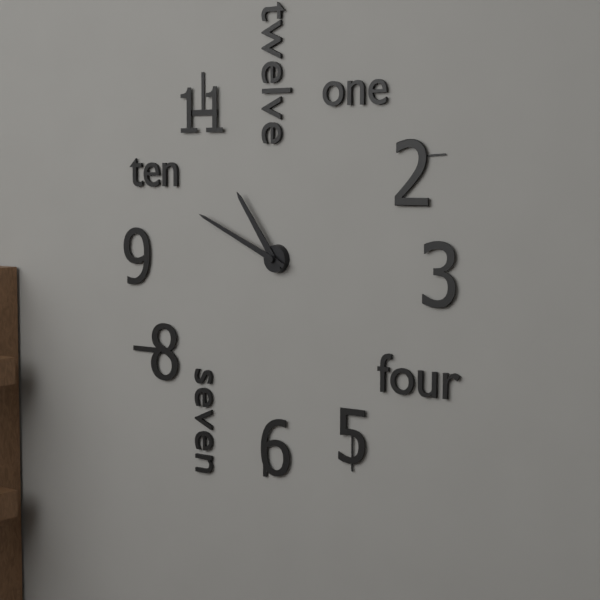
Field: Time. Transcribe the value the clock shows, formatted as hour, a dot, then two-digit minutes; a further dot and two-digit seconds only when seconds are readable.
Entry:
10.49
